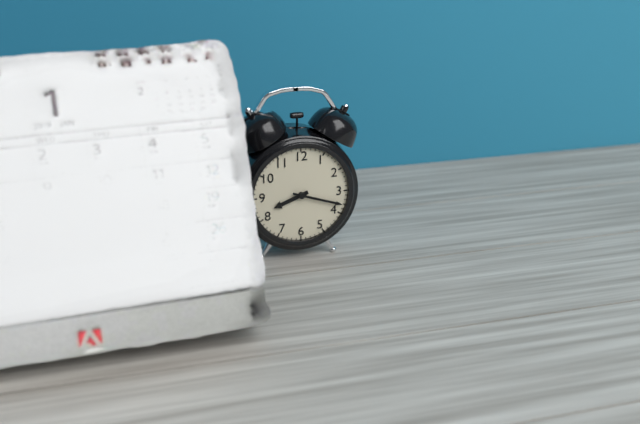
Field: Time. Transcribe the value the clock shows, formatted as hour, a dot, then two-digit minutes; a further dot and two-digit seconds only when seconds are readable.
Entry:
8.18
